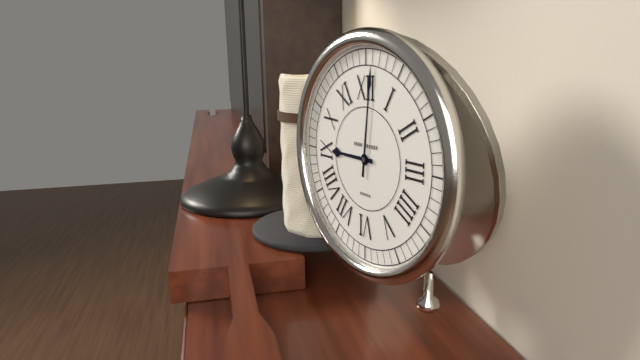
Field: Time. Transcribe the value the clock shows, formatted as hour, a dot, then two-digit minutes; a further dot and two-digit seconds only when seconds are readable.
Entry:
9.01
